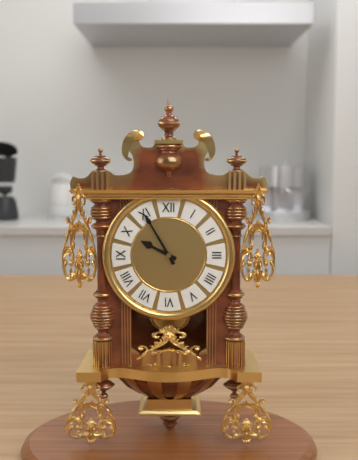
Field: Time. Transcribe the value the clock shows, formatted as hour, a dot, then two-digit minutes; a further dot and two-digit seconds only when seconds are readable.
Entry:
9.55
